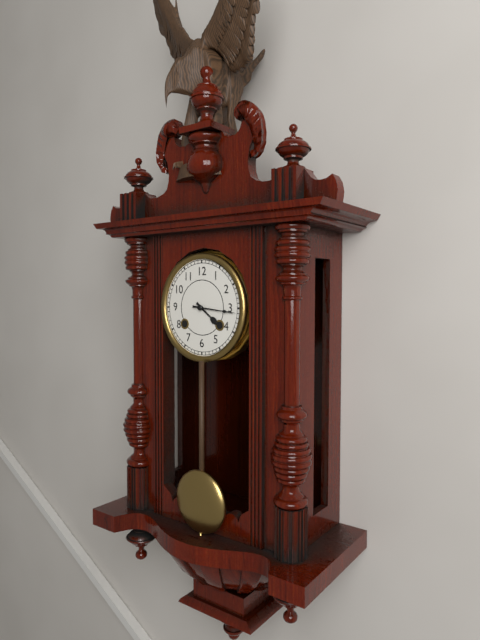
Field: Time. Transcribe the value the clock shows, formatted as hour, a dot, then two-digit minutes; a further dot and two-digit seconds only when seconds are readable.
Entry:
4.16
